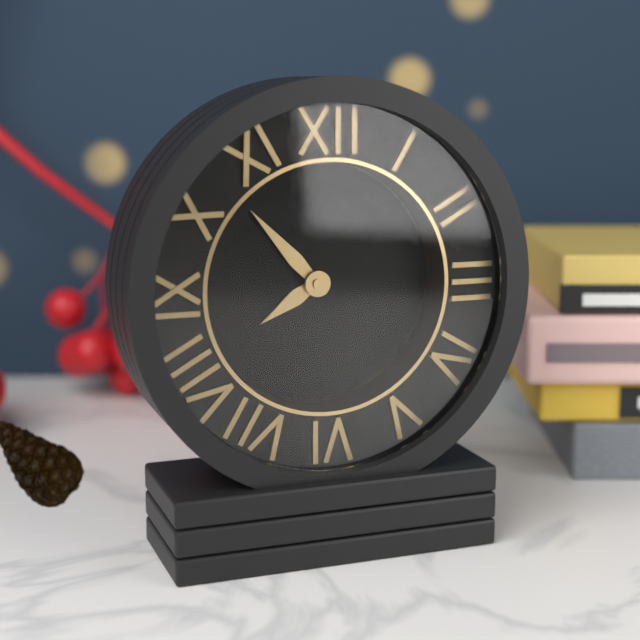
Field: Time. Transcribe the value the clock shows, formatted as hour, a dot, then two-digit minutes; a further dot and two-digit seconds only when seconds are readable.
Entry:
7.53
